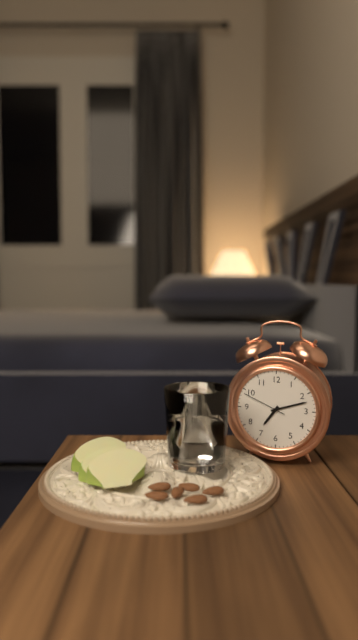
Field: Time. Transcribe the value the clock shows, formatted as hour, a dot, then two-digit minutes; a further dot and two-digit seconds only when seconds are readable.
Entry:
7.12
